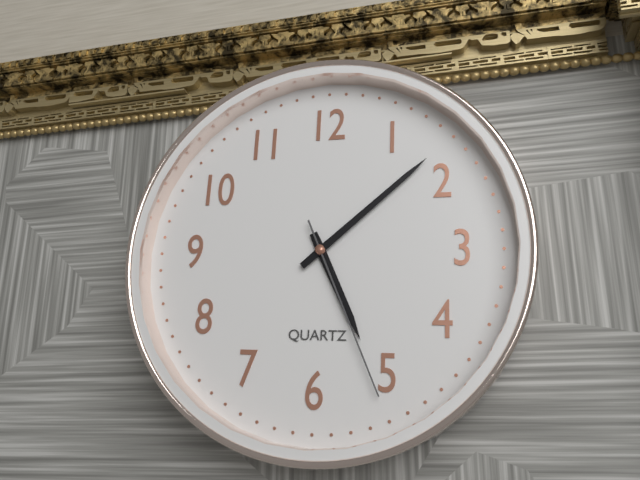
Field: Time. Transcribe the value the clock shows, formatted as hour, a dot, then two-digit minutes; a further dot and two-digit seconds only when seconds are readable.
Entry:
5.08.26
